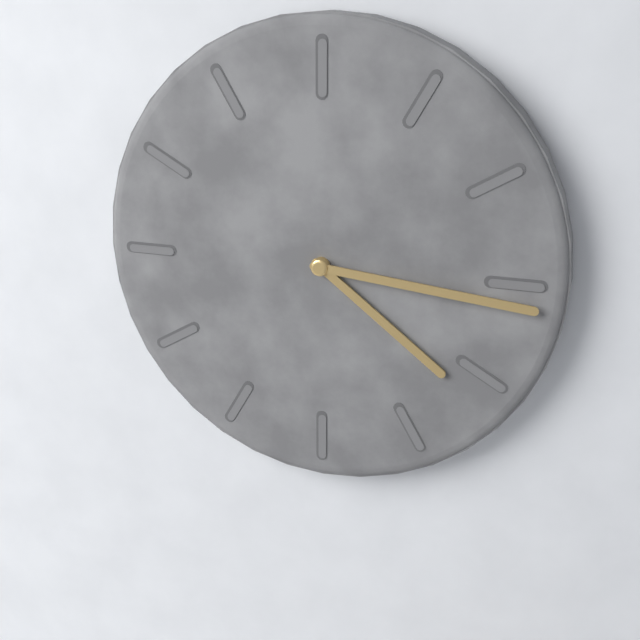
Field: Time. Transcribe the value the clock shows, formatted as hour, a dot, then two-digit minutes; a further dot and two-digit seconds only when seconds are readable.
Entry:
4.16
